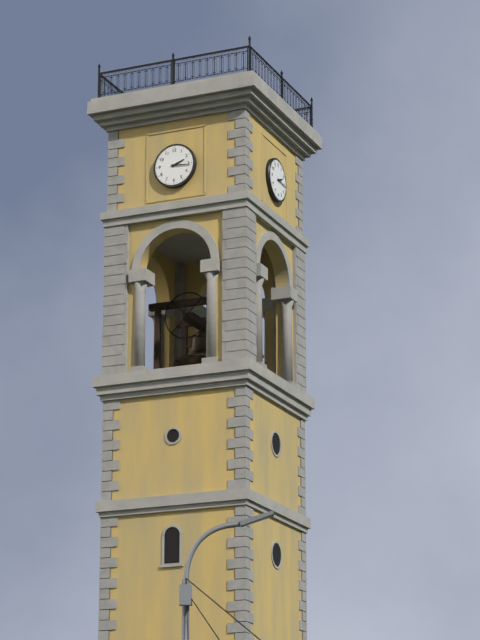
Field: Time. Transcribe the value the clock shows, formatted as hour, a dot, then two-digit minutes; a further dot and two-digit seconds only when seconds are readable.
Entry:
2.16
